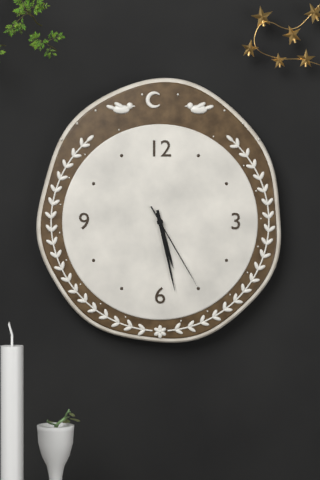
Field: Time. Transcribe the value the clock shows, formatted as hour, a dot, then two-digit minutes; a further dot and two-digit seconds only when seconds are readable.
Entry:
5.28.25
